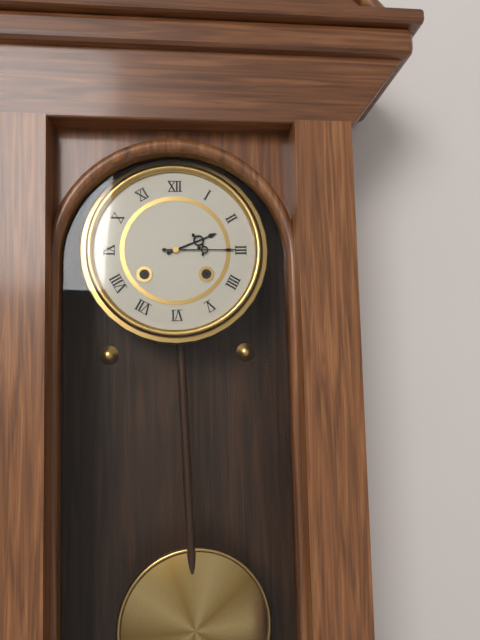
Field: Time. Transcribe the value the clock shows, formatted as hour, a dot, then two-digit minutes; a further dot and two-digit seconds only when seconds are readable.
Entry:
2.15
